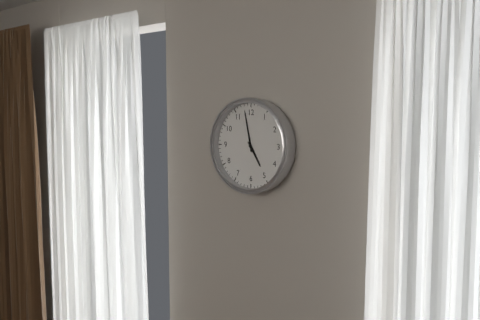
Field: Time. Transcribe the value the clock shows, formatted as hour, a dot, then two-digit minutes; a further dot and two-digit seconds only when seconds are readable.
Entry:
4.58
